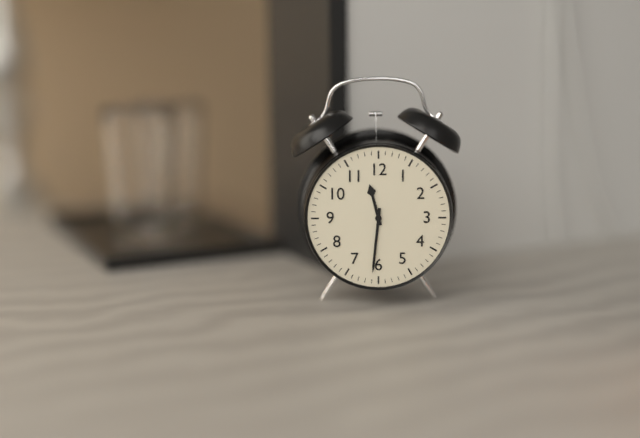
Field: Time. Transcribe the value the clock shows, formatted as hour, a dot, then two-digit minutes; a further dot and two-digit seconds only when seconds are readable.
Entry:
11.31
